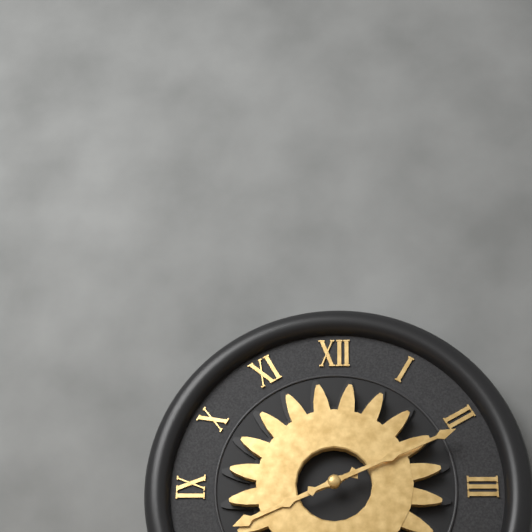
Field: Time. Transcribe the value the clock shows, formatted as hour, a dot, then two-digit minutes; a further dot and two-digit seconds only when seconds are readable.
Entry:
8.11
